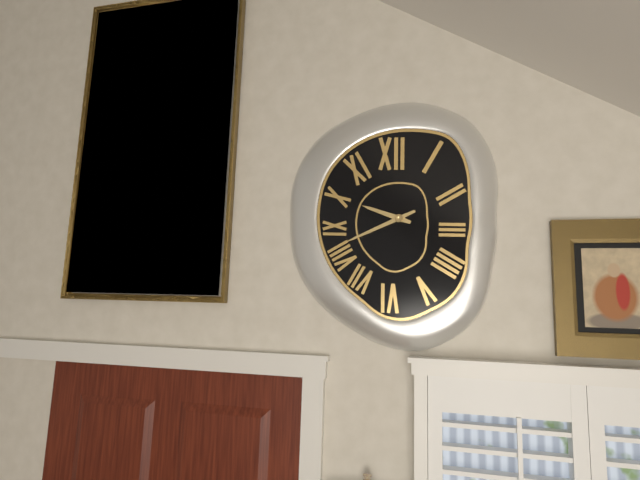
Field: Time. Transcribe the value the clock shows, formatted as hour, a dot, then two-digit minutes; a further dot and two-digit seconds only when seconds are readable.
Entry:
9.41
